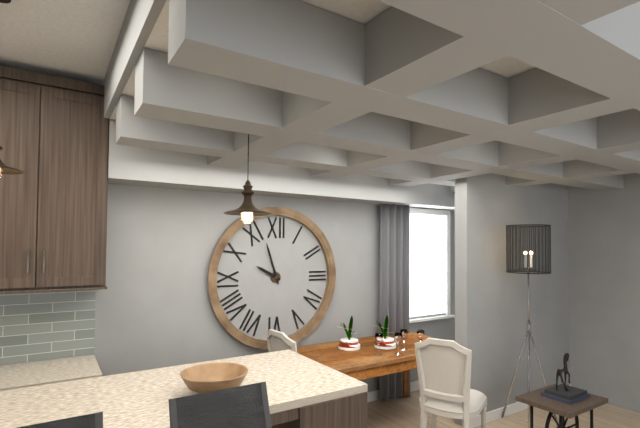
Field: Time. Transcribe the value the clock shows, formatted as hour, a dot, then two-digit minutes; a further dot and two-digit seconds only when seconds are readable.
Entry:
9.57
